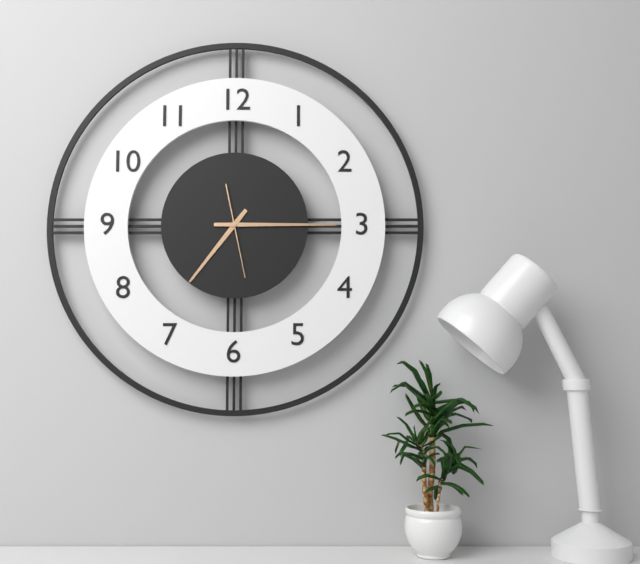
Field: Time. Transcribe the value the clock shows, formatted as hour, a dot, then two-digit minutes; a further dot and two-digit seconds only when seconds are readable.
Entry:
7.15.28
